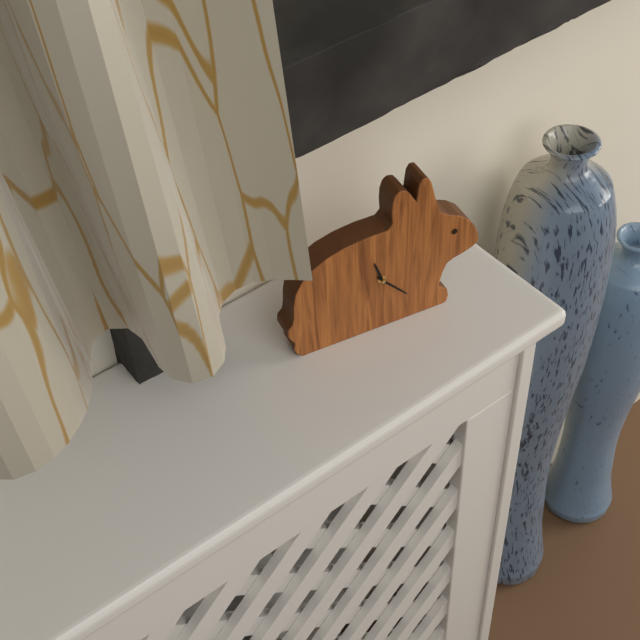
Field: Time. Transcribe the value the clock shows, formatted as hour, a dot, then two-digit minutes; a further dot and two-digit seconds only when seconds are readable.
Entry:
11.23
